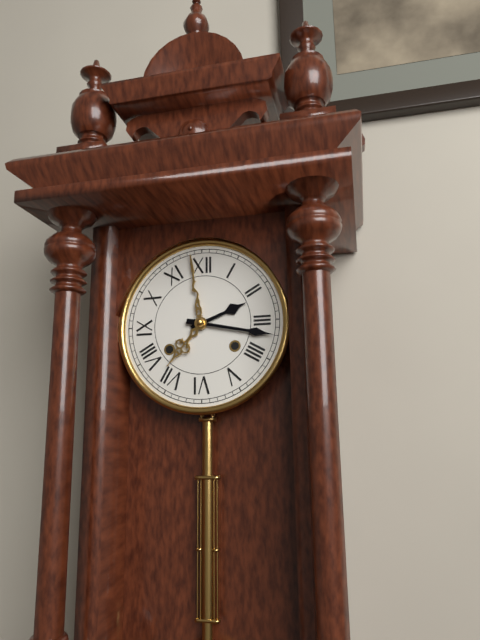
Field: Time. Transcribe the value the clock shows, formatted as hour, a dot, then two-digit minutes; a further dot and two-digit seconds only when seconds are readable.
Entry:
2.17
